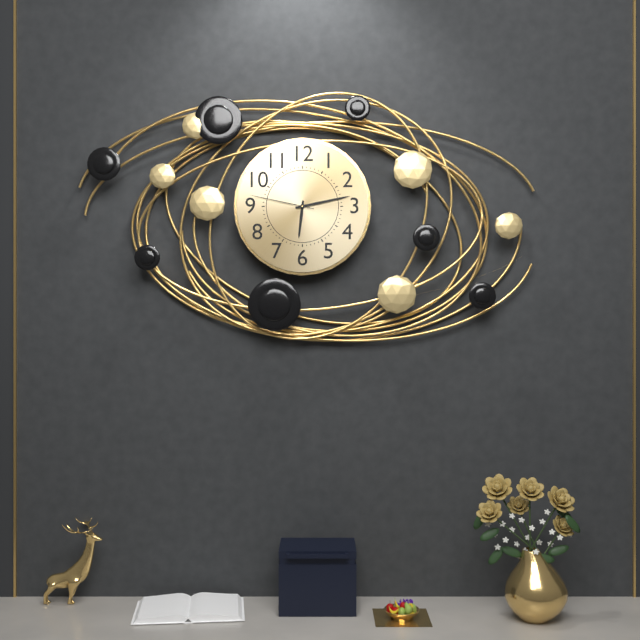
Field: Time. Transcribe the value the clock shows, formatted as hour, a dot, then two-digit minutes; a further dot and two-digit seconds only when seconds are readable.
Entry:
6.13.47
